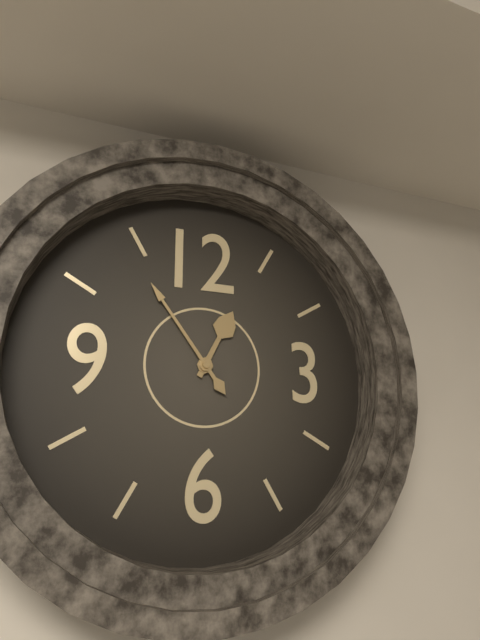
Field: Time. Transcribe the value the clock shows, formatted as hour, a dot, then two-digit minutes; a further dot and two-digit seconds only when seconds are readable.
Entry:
12.54
